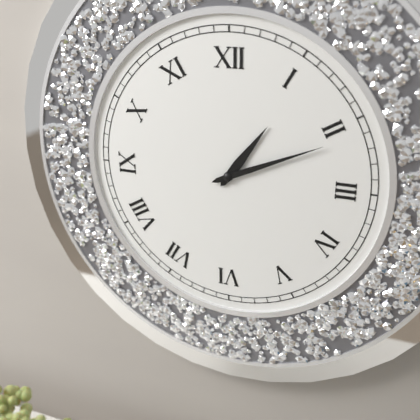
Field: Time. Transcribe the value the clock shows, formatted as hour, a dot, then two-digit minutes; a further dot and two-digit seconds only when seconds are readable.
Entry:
1.11
